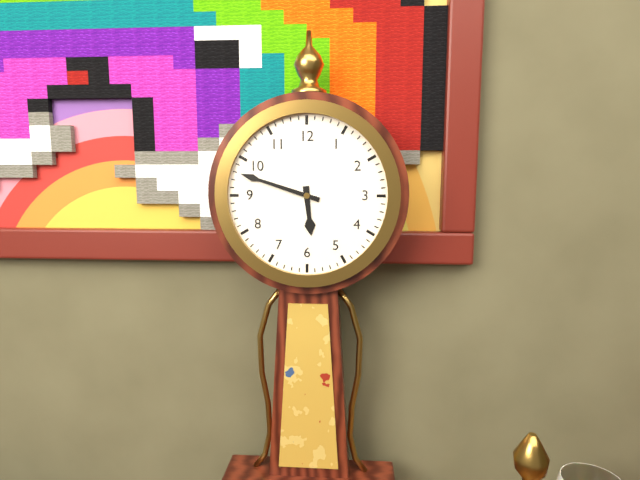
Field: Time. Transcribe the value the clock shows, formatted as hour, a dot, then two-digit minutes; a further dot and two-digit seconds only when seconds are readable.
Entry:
5.48
